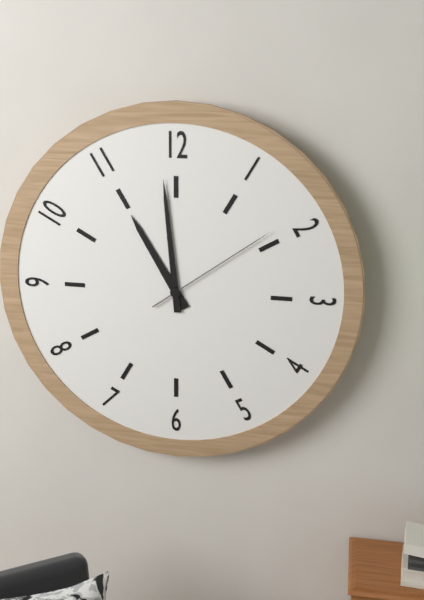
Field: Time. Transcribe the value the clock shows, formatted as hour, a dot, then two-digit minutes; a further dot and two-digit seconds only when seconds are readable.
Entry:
10.59.09
